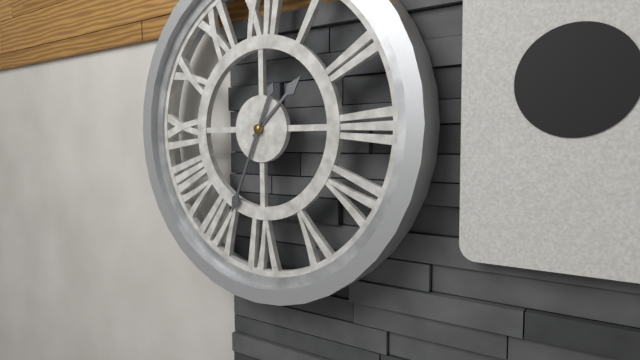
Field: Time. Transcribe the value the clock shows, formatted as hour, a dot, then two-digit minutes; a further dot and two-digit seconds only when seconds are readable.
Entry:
1.34
